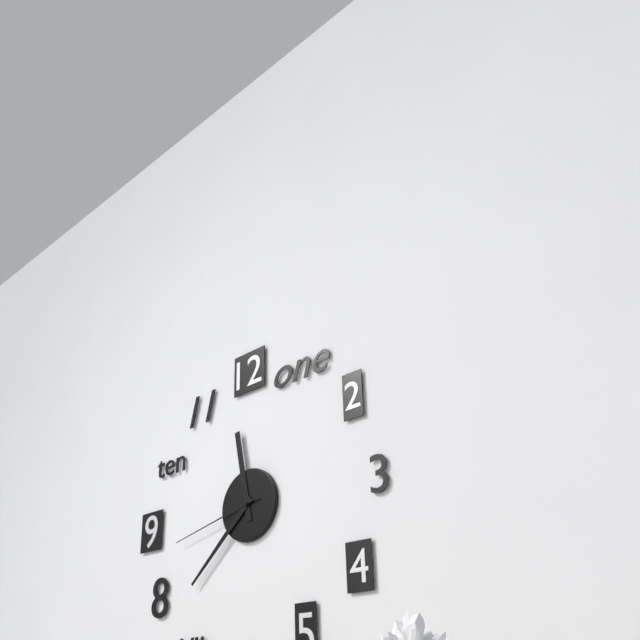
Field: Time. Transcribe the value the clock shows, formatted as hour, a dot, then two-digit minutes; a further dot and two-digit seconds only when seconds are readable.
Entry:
11.38.43
